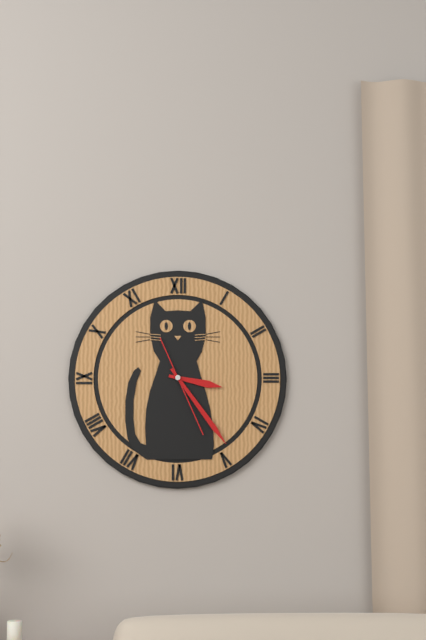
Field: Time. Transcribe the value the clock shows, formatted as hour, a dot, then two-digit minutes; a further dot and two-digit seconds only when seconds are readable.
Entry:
3.24.26
